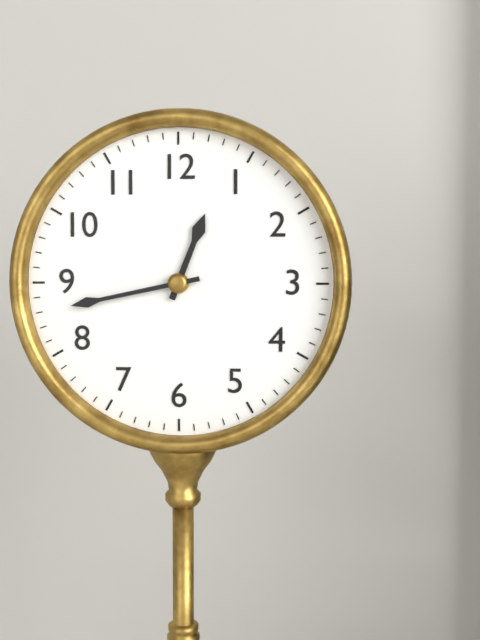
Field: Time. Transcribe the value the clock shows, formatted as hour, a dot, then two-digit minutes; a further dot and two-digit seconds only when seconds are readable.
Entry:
12.43
